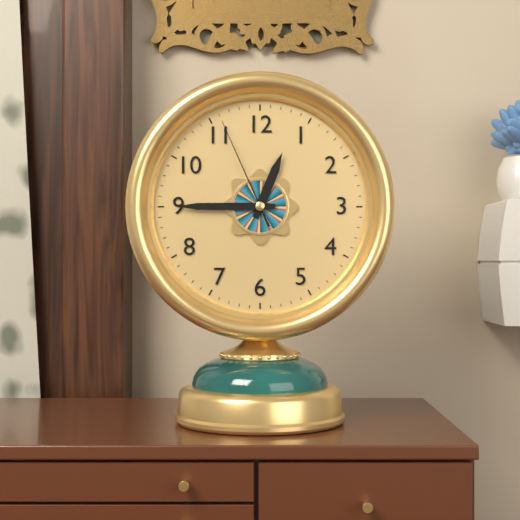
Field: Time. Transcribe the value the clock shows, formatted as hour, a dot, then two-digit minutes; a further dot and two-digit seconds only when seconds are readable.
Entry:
12.45.56
